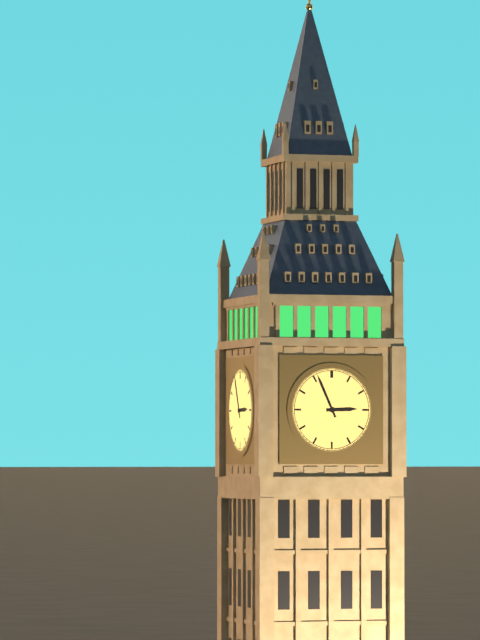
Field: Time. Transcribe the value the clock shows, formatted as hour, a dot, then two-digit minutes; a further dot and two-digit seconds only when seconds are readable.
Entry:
2.56
